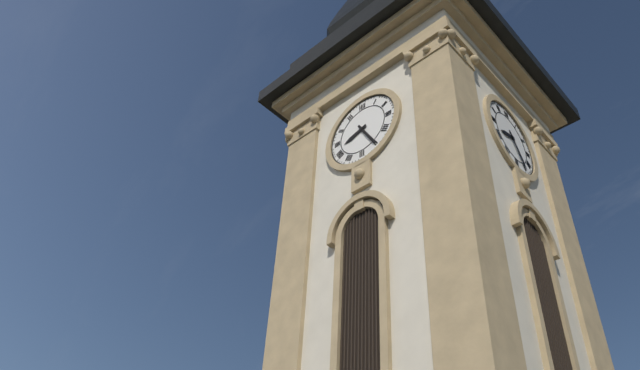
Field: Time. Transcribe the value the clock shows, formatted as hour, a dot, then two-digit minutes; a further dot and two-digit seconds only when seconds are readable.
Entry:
8.25
